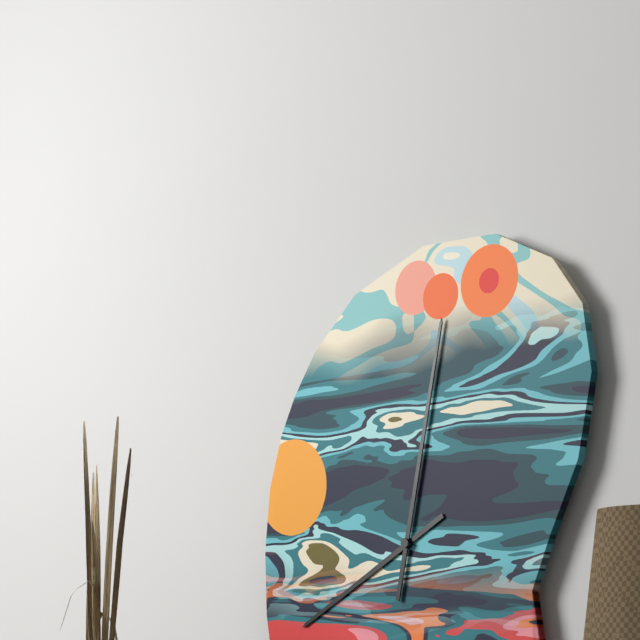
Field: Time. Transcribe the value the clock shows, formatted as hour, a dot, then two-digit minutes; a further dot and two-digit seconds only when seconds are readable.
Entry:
8.02
